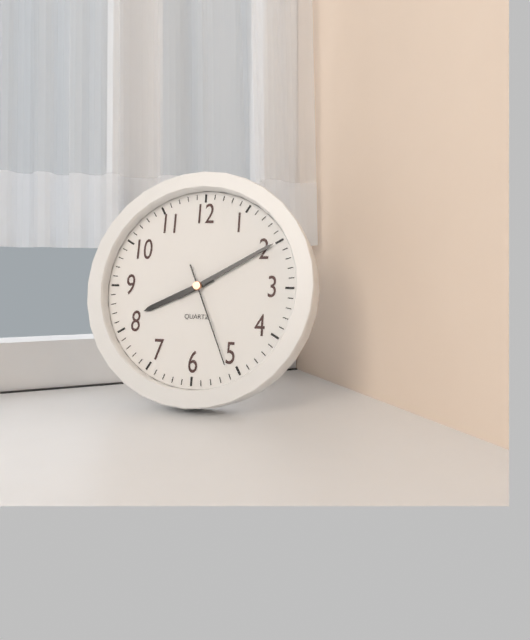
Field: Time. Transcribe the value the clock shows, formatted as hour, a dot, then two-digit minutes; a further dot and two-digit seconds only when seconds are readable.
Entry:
8.10.26
